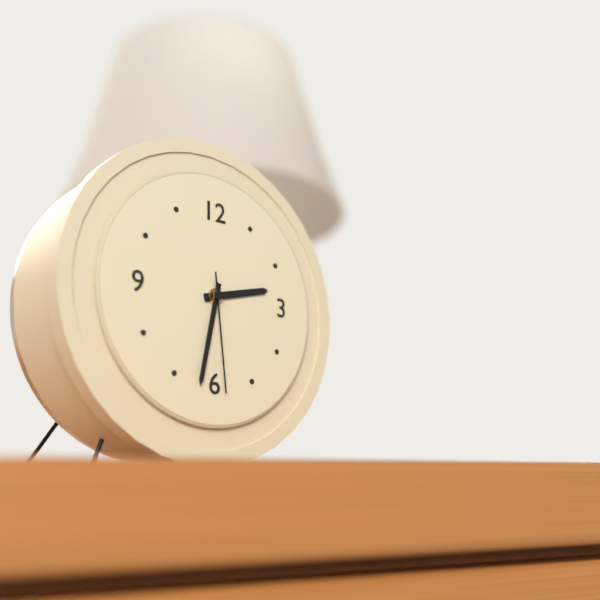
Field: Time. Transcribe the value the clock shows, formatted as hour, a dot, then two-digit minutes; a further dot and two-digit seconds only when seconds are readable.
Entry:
2.32.29
